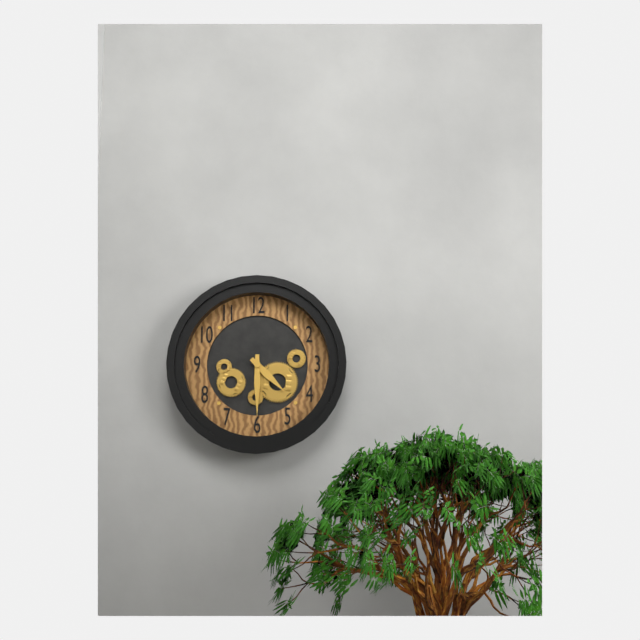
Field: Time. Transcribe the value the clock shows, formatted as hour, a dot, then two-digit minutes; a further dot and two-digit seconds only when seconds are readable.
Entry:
4.30
